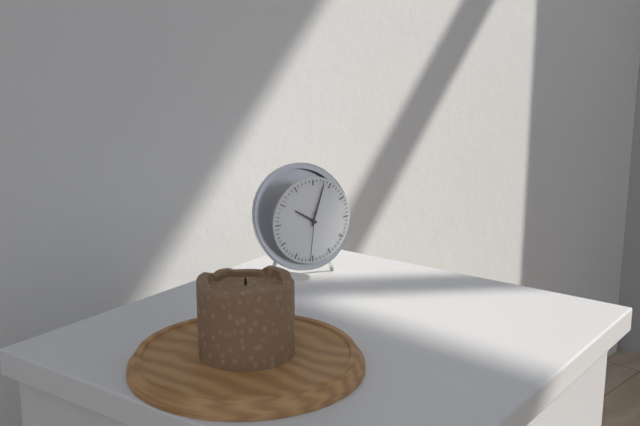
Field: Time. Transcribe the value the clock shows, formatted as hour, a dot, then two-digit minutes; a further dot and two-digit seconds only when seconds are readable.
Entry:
10.03.31
